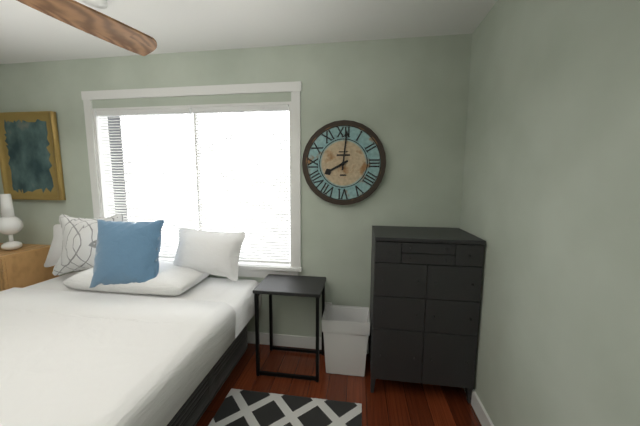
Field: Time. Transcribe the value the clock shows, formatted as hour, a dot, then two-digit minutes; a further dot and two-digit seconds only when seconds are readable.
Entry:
8.01
